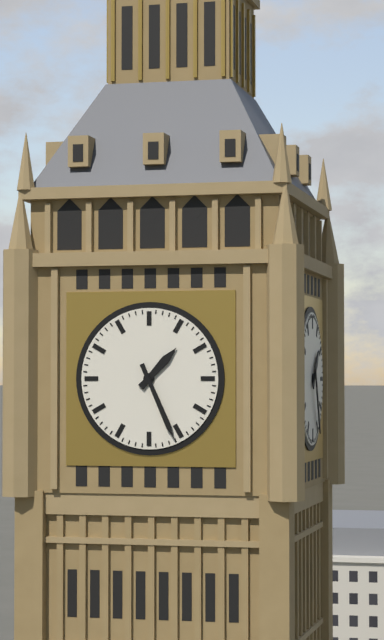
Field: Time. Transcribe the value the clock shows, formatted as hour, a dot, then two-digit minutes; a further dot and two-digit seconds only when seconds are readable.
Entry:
1.26
